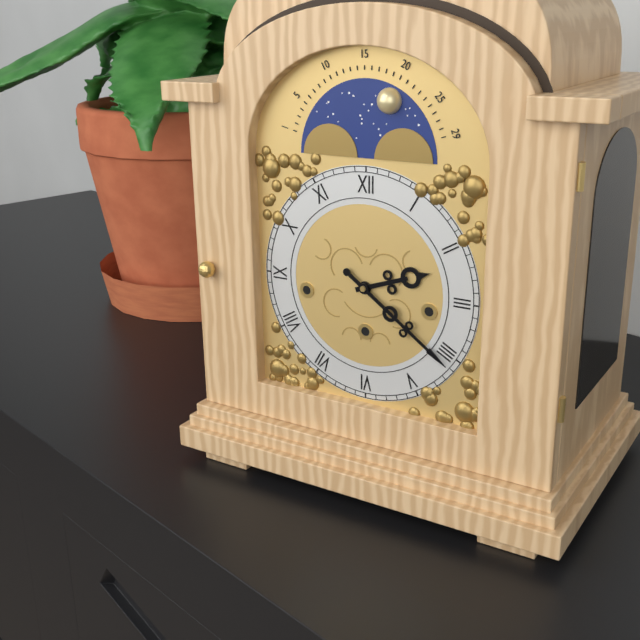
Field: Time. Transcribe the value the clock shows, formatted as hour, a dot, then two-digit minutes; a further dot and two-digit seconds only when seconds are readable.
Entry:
2.21
